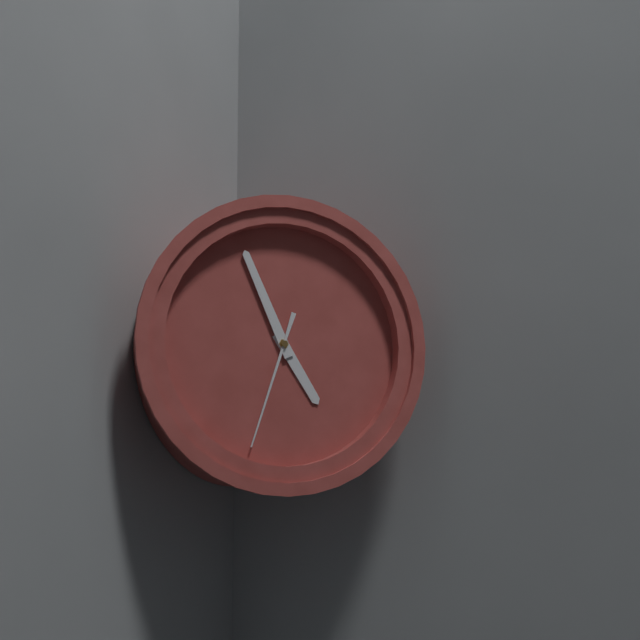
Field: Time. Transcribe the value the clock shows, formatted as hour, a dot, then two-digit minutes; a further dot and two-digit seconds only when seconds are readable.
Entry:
4.56.33
